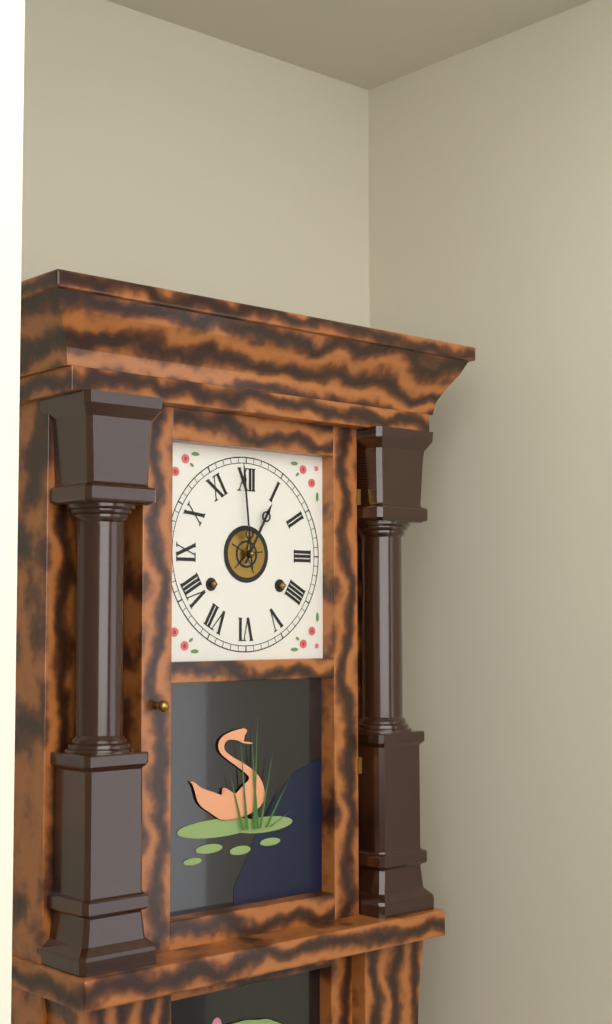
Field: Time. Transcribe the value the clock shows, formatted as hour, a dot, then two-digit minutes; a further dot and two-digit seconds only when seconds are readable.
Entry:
12.59
